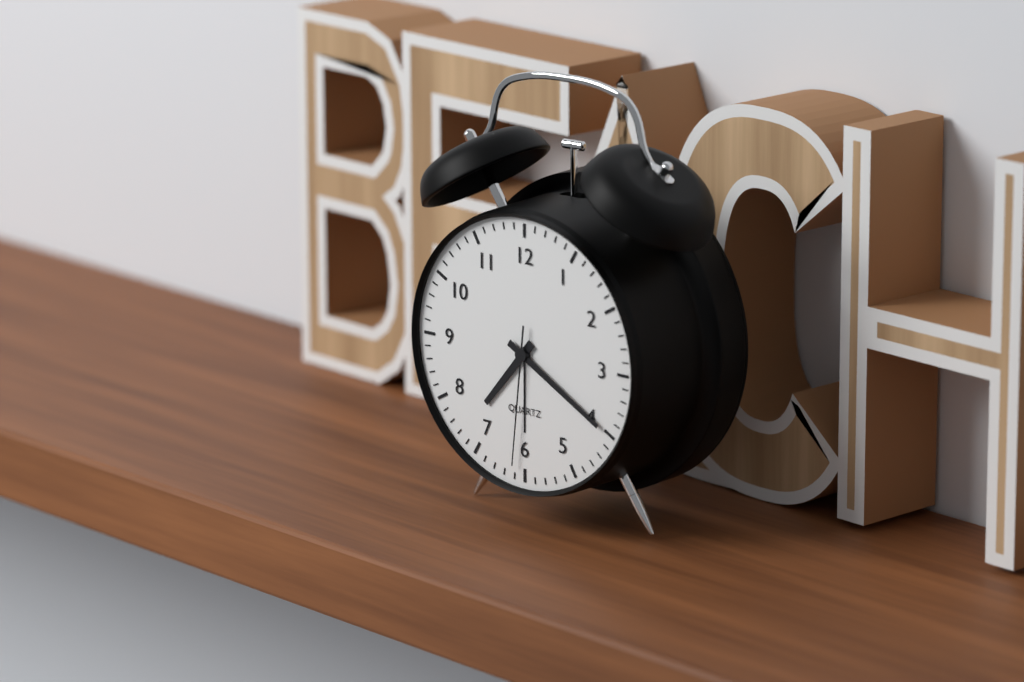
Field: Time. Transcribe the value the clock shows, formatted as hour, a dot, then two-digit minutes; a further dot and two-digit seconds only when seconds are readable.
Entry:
7.20.31
